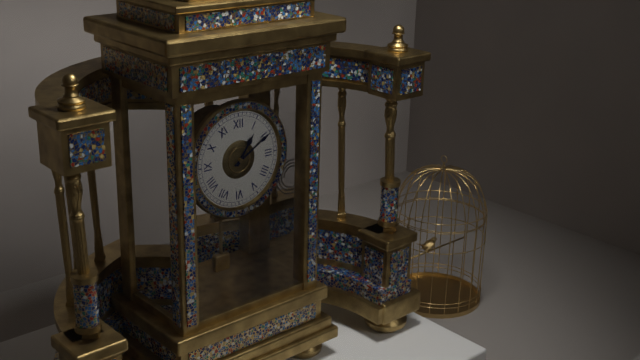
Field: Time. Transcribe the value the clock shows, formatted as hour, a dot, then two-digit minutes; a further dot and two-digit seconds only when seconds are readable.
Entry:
1.10
